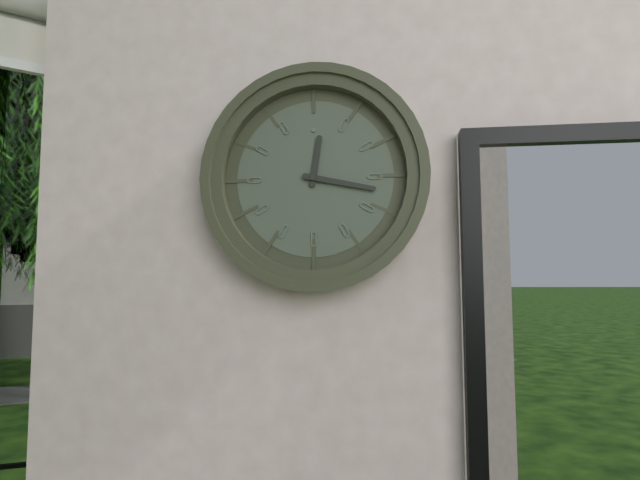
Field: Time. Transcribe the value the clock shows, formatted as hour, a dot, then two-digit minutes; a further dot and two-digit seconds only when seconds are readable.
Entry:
12.17
